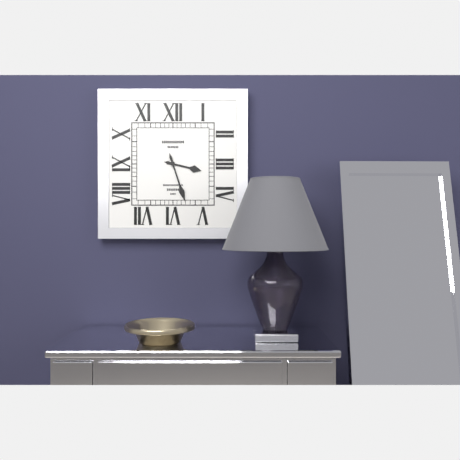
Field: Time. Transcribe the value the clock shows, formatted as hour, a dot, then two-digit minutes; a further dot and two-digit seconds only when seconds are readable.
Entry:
3.27
